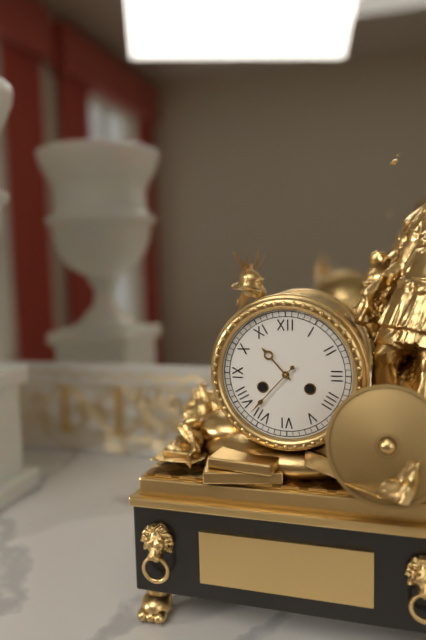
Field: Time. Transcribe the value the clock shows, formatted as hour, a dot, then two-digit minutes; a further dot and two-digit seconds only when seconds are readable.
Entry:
10.37
